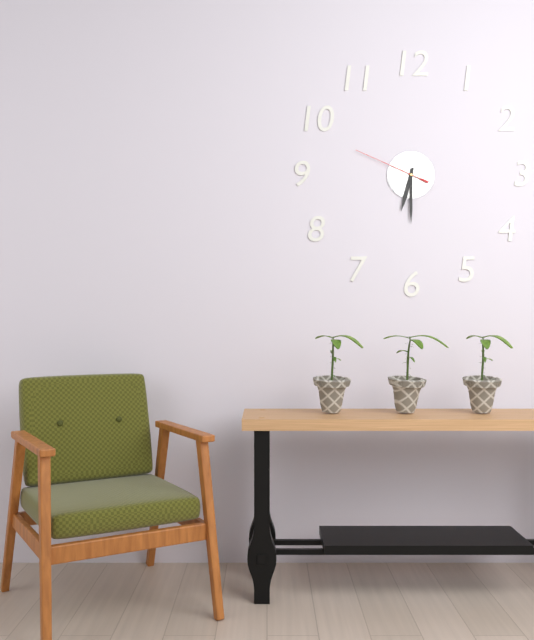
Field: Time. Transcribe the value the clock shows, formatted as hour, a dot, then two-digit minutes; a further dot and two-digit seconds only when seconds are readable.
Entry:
6.30.49
